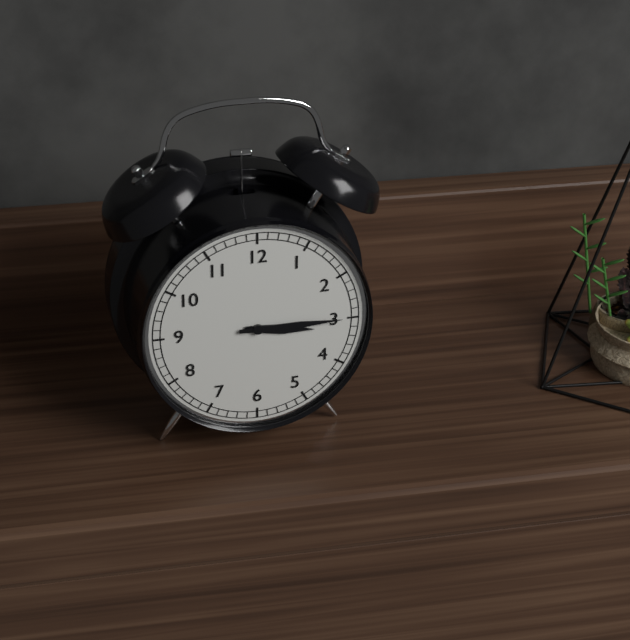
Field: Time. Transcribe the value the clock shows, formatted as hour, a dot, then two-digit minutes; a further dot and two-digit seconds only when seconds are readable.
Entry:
3.15
